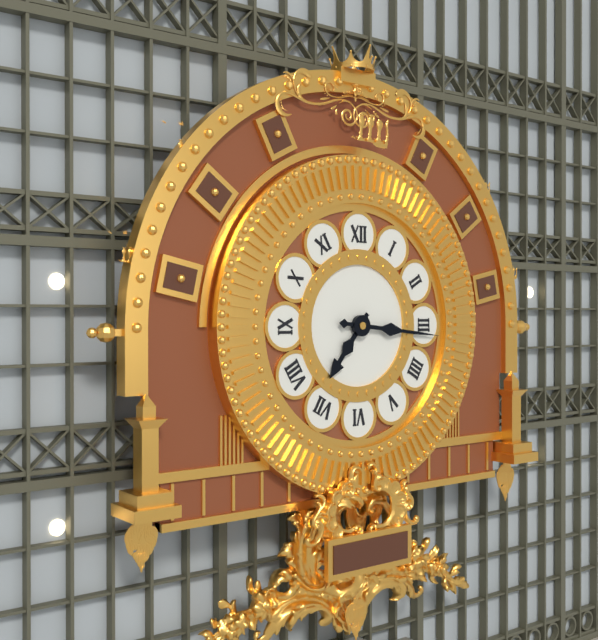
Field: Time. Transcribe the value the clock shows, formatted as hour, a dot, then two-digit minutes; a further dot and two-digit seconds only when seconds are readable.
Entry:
7.16
